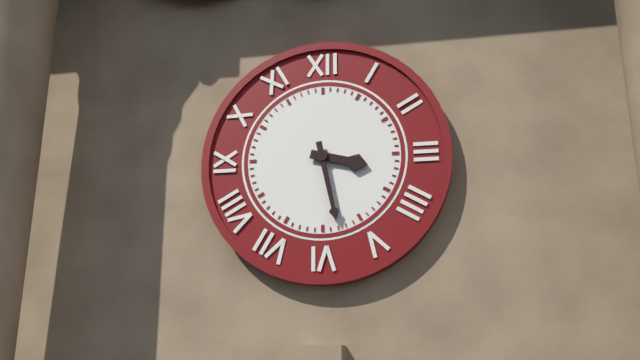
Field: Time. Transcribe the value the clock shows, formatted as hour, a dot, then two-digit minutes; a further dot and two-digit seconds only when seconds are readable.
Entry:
3.28
